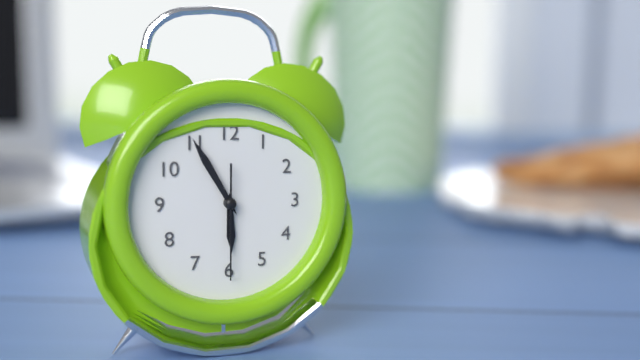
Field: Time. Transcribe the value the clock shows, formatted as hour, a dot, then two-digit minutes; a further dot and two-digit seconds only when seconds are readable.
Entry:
5.55.30
